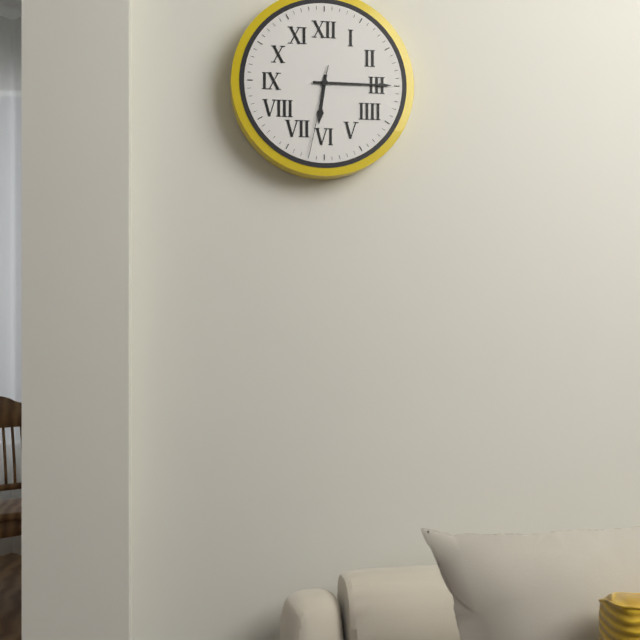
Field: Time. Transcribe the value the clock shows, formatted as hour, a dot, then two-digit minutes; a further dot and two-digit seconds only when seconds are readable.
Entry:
6.15.32
